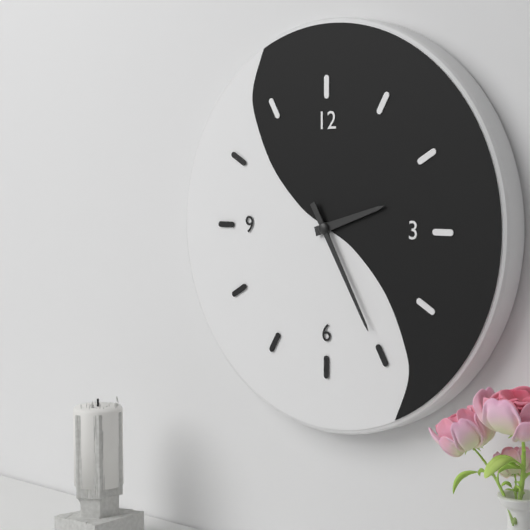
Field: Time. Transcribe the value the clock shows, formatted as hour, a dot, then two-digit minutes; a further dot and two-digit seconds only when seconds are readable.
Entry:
2.25
